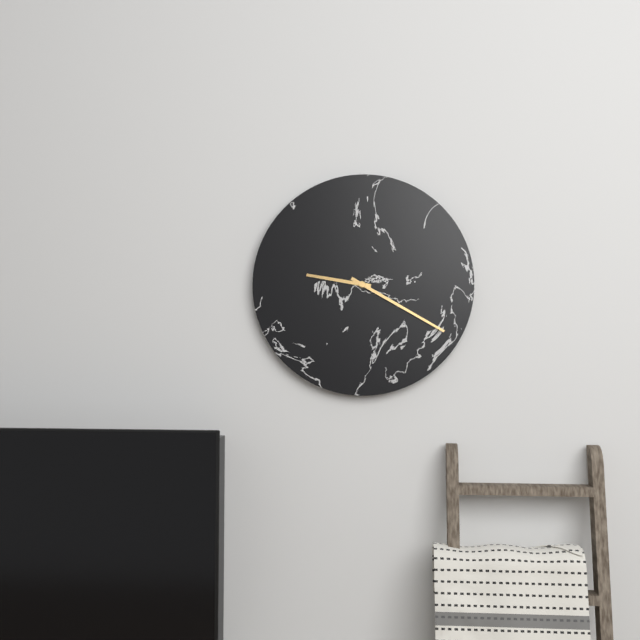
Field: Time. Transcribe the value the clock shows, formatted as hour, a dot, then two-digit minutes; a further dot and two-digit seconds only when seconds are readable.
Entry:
9.20
